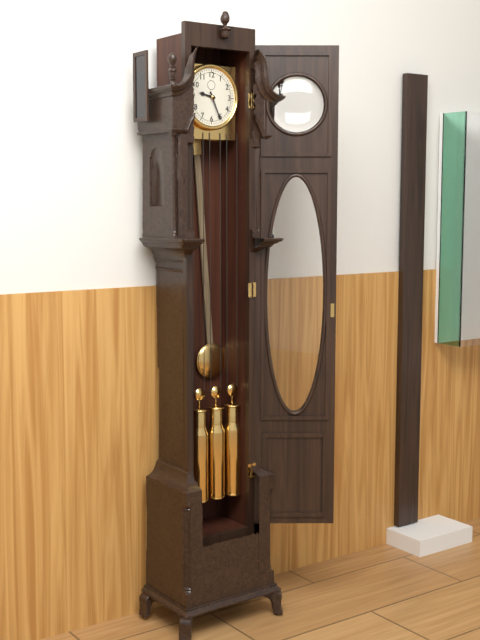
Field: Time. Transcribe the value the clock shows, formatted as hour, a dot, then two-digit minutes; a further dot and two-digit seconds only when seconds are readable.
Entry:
9.26
